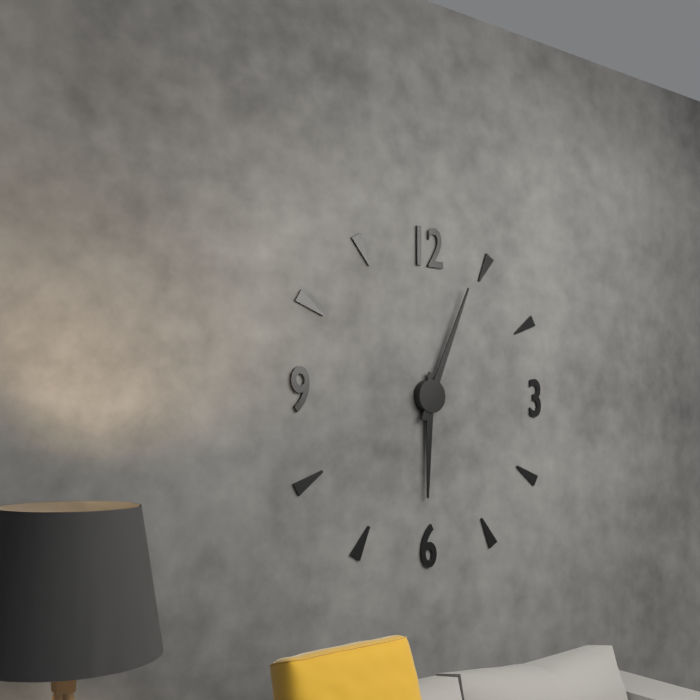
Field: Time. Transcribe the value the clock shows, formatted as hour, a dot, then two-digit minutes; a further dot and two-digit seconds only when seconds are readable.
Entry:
6.04
